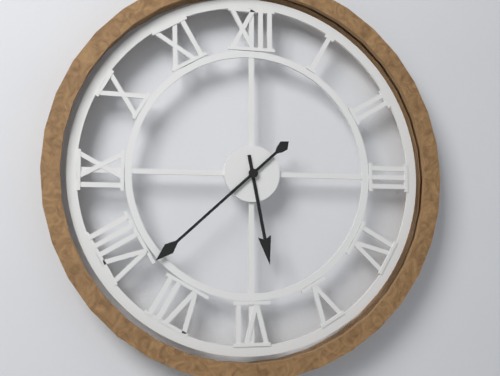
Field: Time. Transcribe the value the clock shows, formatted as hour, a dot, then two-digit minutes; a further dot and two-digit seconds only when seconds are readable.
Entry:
5.38
